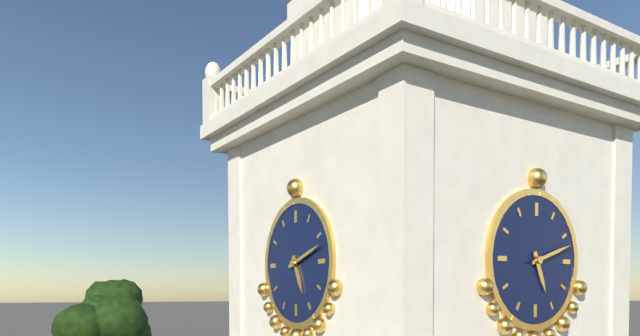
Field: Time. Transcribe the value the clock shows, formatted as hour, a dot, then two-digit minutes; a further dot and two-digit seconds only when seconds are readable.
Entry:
5.12
